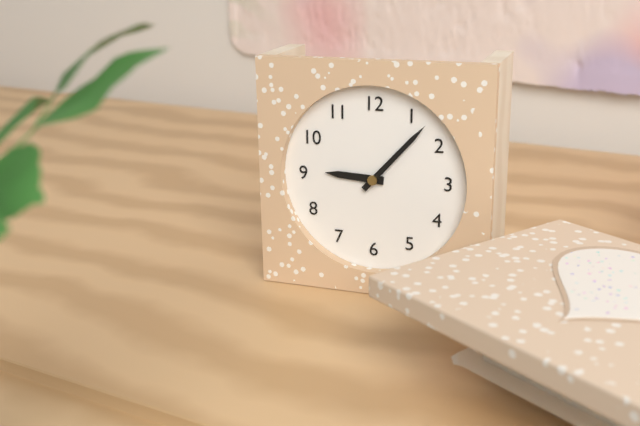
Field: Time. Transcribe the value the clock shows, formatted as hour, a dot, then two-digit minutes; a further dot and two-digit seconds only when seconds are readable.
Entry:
9.07
